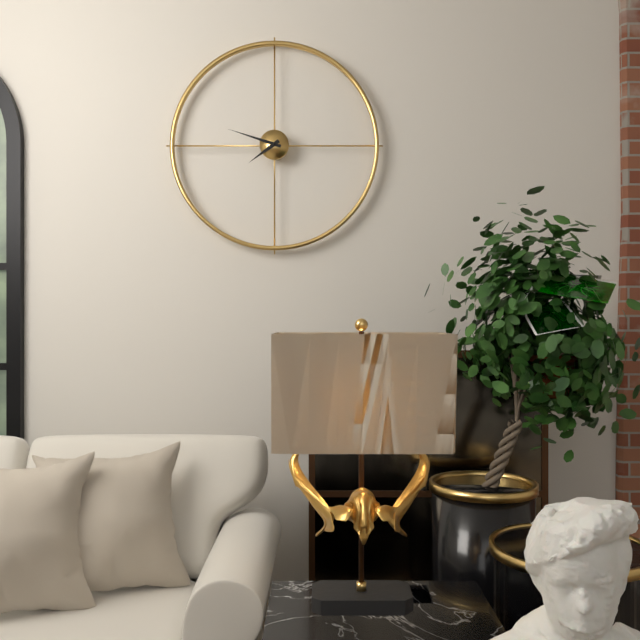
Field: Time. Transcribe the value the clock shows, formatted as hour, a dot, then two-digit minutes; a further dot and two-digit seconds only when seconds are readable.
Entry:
7.48
